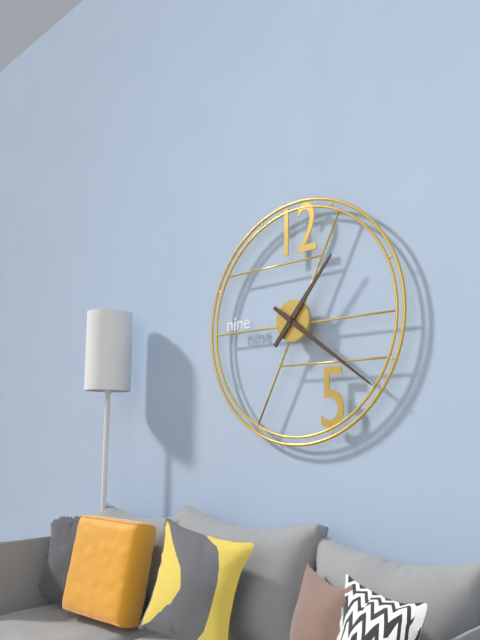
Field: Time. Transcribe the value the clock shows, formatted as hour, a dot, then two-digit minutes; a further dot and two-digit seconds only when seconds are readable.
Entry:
1.21
